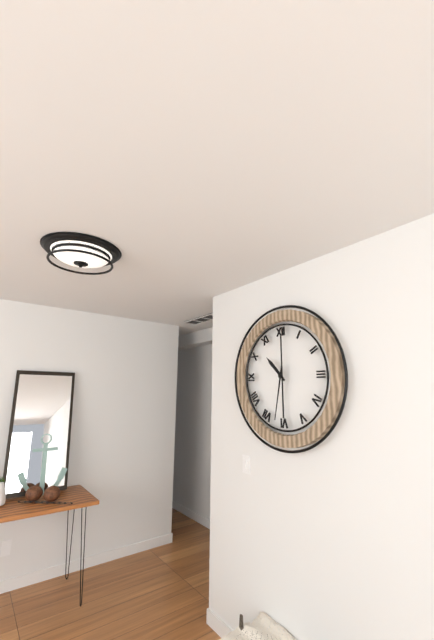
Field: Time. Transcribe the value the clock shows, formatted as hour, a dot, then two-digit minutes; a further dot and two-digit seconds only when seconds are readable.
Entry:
10.32
